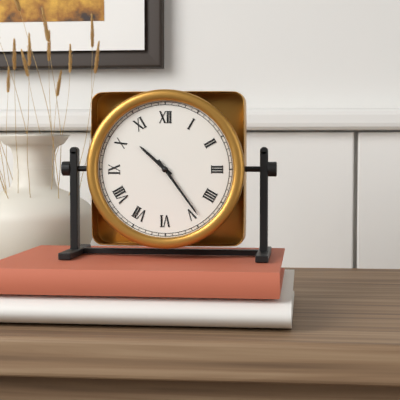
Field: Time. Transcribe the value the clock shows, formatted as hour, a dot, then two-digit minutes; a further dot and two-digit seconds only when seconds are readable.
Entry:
10.24
